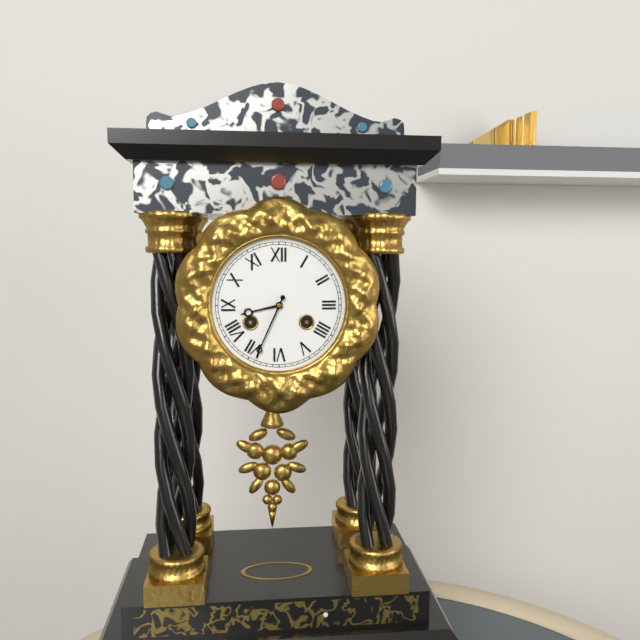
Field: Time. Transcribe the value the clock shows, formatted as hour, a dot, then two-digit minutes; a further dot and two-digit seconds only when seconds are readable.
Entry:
8.34
